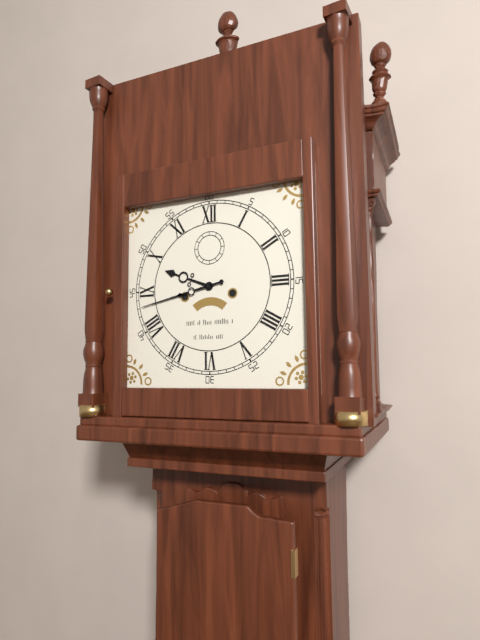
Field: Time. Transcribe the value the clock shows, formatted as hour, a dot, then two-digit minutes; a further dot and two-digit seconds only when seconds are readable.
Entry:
9.43
